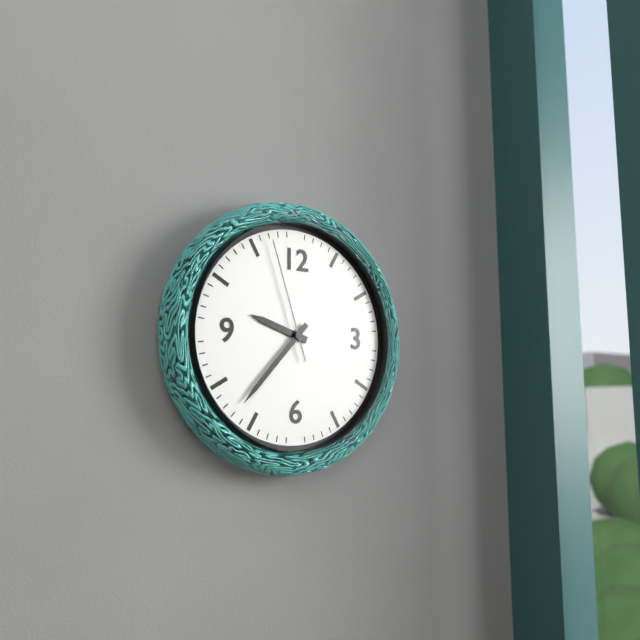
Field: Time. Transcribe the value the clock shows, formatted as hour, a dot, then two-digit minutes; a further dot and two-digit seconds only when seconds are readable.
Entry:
9.37.57
